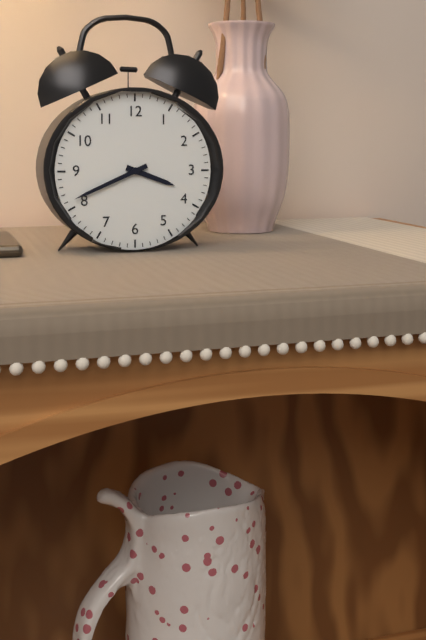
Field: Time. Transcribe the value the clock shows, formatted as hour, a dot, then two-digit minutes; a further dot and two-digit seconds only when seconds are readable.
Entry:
3.41
